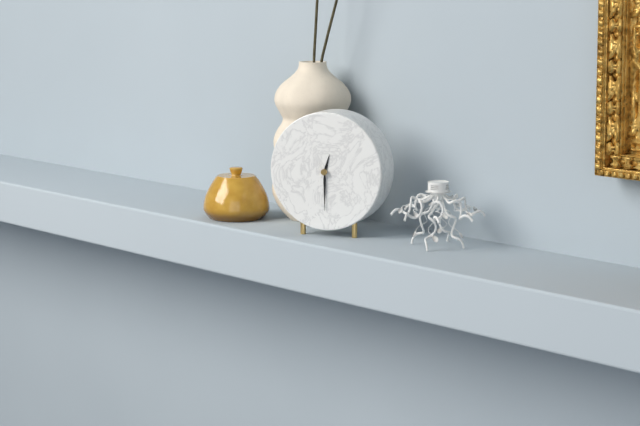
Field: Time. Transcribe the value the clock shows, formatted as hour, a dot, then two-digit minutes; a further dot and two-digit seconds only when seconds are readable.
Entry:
12.30
